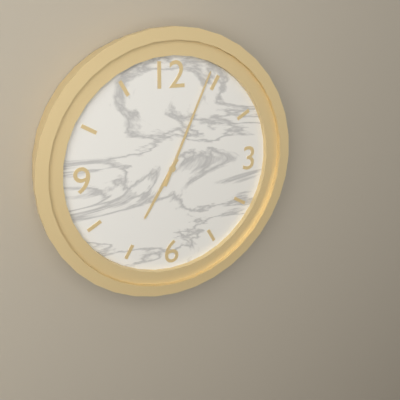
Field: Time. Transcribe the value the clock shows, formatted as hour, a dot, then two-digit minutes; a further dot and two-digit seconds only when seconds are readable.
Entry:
7.04
